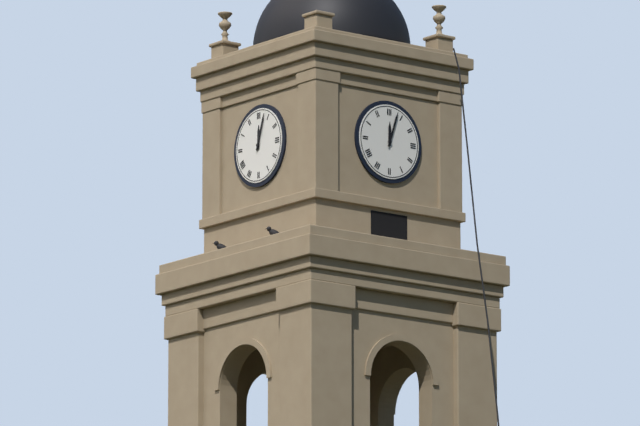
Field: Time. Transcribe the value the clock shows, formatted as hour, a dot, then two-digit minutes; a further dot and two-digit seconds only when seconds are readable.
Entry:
12.03
